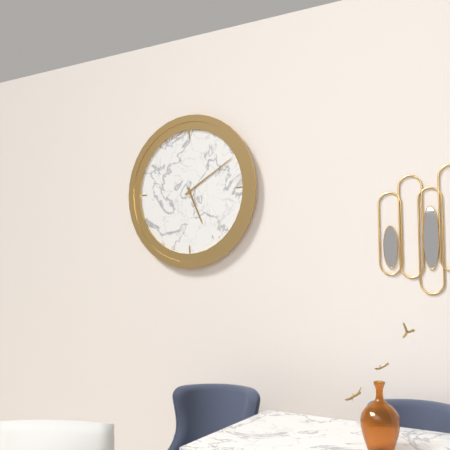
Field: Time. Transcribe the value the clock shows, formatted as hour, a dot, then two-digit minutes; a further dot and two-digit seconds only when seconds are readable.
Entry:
5.10
